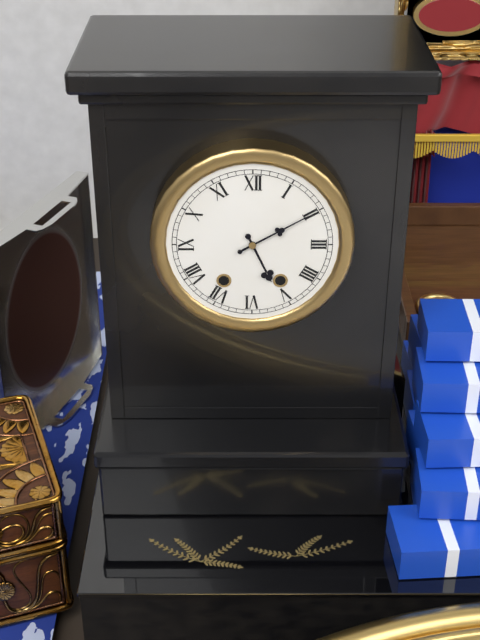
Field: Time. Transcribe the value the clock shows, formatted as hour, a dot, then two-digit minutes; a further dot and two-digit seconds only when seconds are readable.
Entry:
5.10
